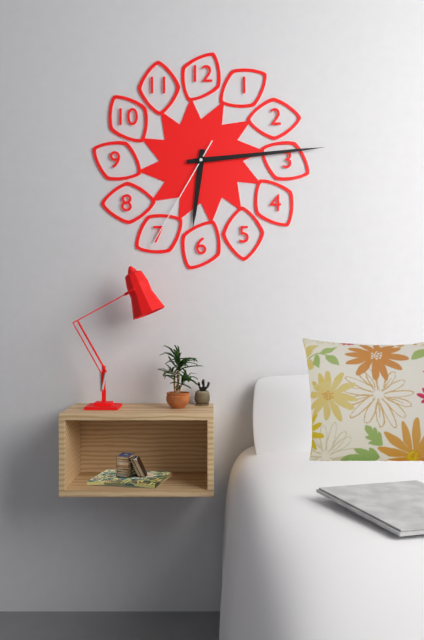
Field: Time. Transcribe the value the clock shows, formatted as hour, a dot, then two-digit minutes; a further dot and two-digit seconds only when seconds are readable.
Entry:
6.14.35
